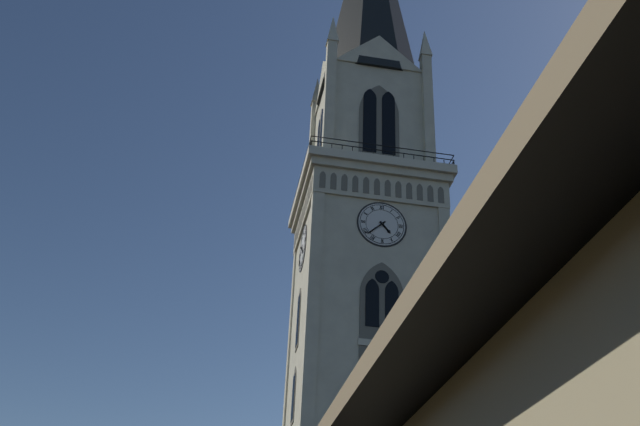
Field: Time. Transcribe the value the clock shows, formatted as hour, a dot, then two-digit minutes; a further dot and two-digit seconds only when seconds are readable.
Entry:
4.38
